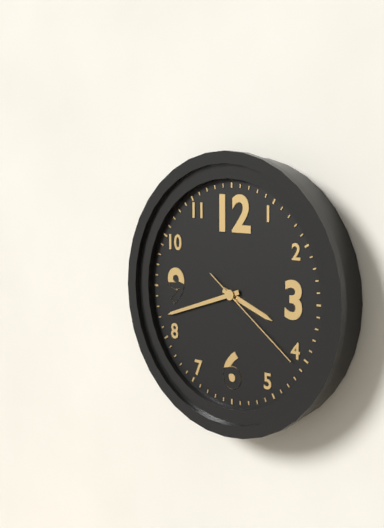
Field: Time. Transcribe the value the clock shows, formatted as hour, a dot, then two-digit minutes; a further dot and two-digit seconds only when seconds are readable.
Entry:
3.42.21
